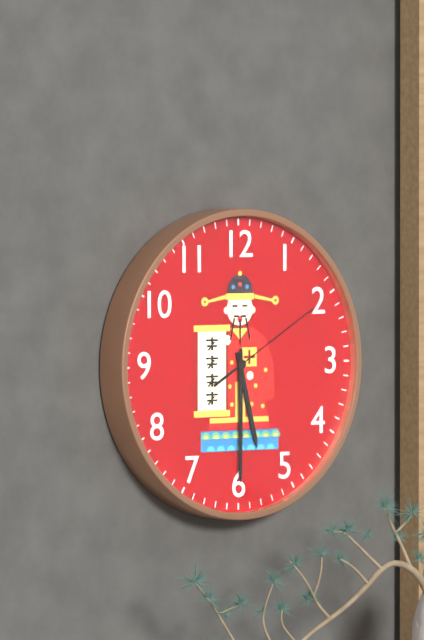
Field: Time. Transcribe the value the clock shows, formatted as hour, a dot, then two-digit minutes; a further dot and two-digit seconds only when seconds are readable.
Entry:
5.30.10
